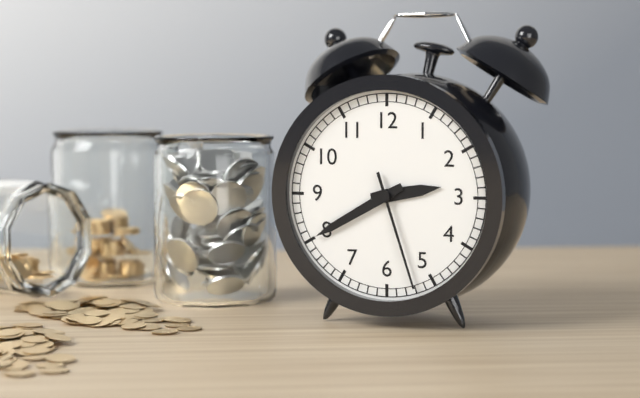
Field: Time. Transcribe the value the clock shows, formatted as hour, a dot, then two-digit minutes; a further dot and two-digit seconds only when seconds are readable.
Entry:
2.40.27
